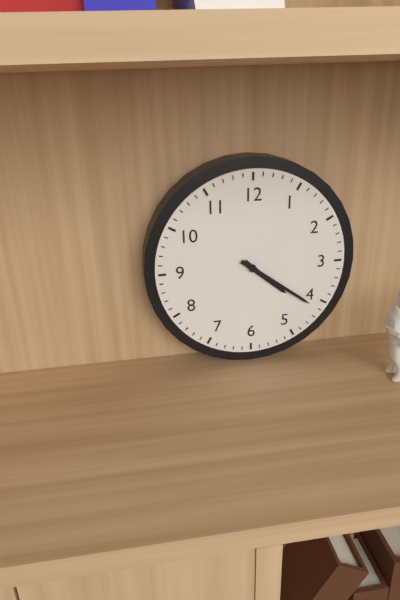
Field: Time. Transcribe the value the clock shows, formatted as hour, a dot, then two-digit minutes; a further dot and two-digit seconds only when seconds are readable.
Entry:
4.21
